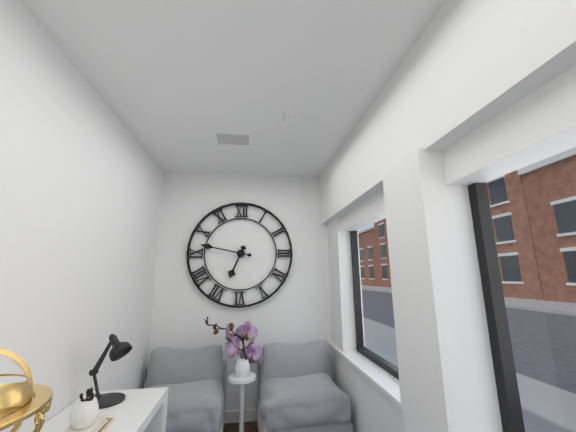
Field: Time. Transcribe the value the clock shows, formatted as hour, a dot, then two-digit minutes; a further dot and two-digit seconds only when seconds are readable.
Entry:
6.47
